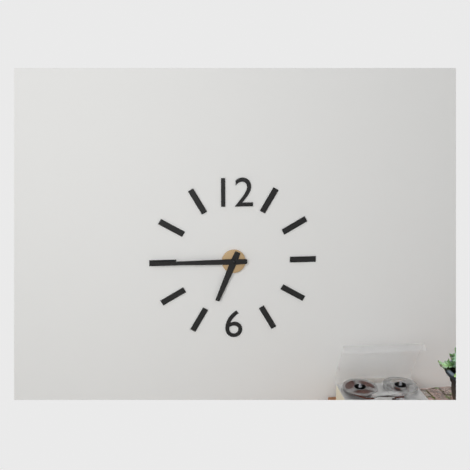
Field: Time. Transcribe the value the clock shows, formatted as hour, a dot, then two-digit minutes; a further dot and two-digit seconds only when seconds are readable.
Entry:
6.45
